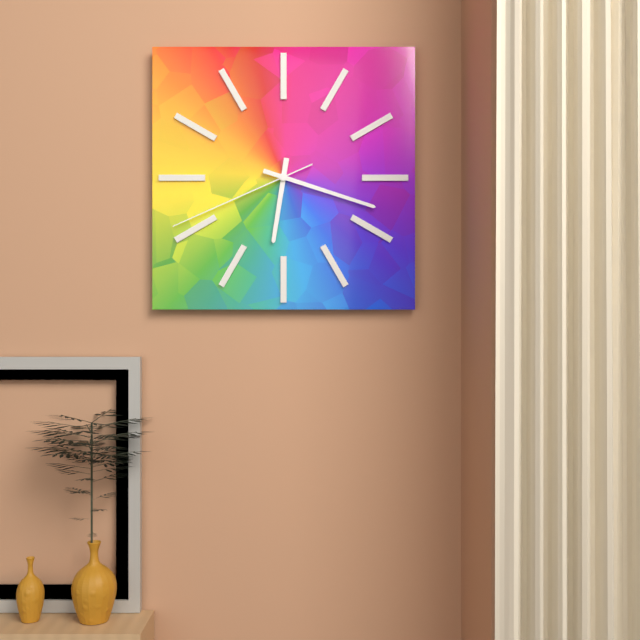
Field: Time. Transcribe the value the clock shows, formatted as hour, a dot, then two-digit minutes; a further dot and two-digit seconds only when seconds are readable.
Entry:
6.18.41
